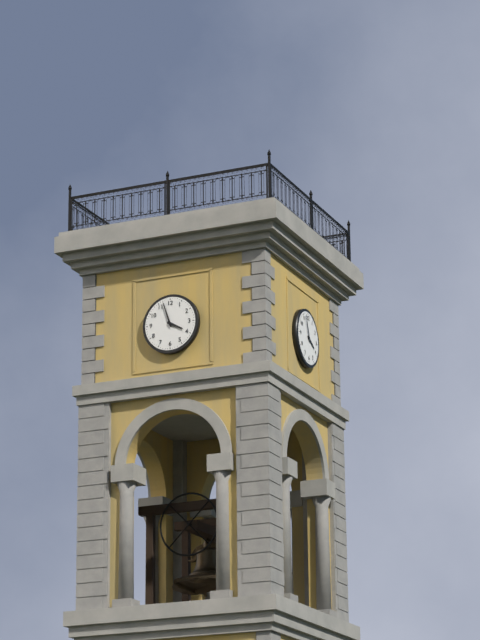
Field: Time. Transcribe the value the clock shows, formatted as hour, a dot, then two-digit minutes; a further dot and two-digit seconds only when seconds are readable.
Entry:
3.57
